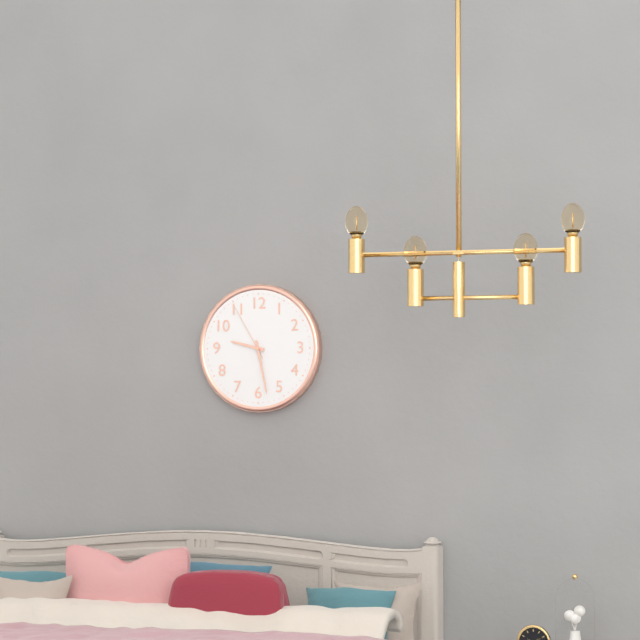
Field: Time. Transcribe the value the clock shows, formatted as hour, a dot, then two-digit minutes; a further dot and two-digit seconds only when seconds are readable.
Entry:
9.28.55
